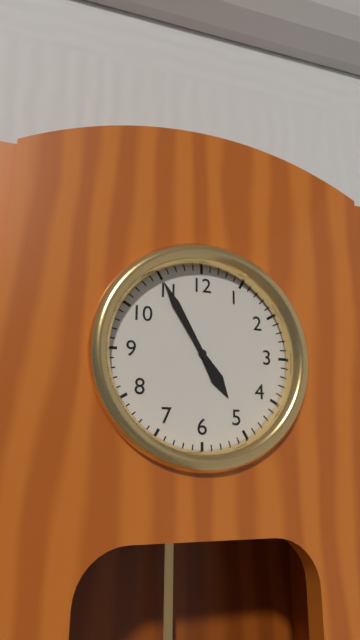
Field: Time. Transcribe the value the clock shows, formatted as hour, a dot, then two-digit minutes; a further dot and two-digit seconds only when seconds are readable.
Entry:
4.55
